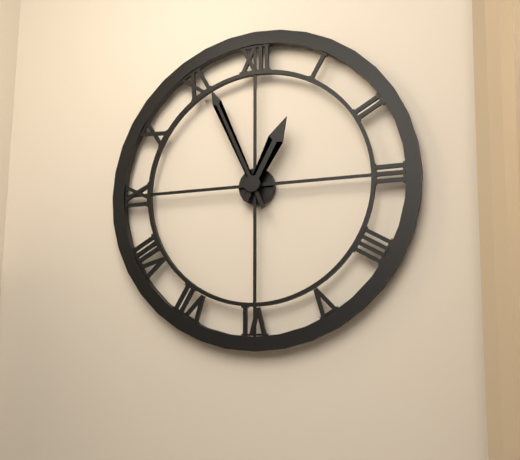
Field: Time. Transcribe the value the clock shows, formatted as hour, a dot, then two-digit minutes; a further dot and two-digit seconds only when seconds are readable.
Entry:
12.56
